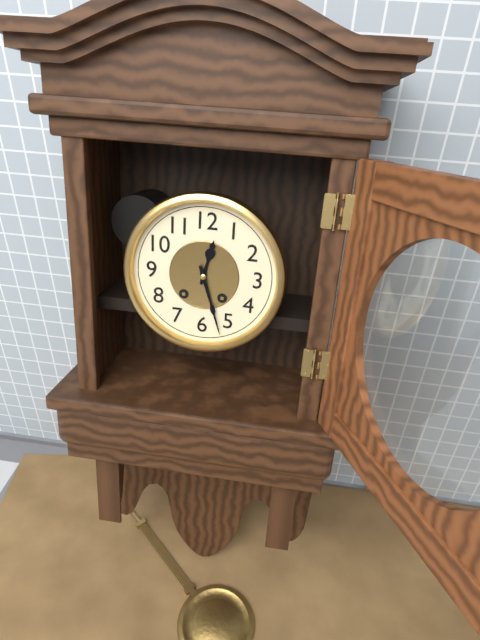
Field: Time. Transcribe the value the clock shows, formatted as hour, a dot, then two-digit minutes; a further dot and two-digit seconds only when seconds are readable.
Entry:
12.27
